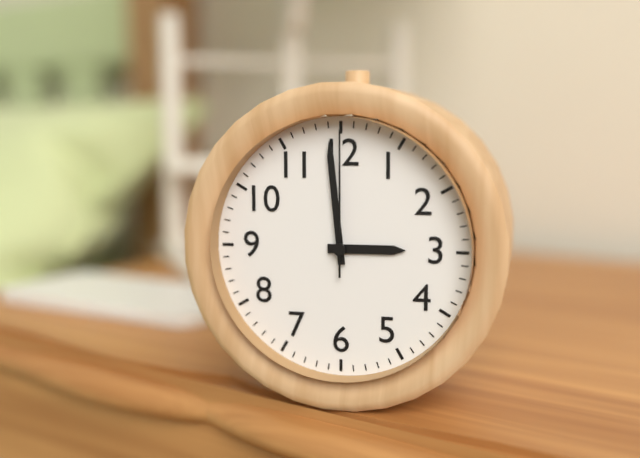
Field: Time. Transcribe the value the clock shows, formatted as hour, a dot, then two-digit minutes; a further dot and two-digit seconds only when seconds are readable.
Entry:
2.59.00
